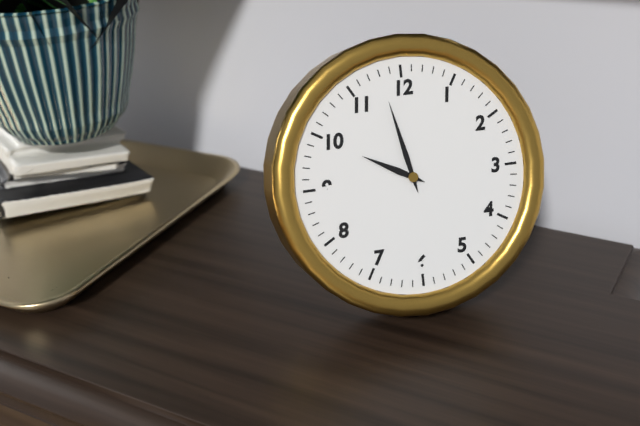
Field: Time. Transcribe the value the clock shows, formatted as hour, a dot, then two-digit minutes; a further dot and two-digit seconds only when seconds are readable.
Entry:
9.58
